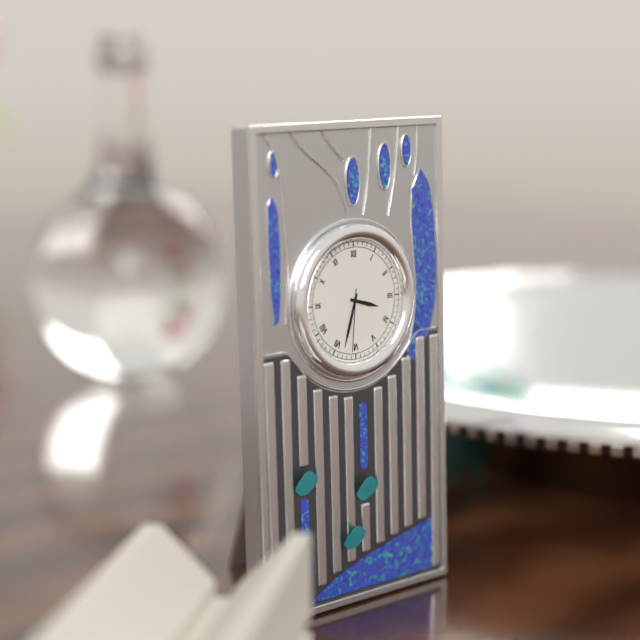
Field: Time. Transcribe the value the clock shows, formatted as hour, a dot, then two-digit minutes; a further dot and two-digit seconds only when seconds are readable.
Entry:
3.33.31
